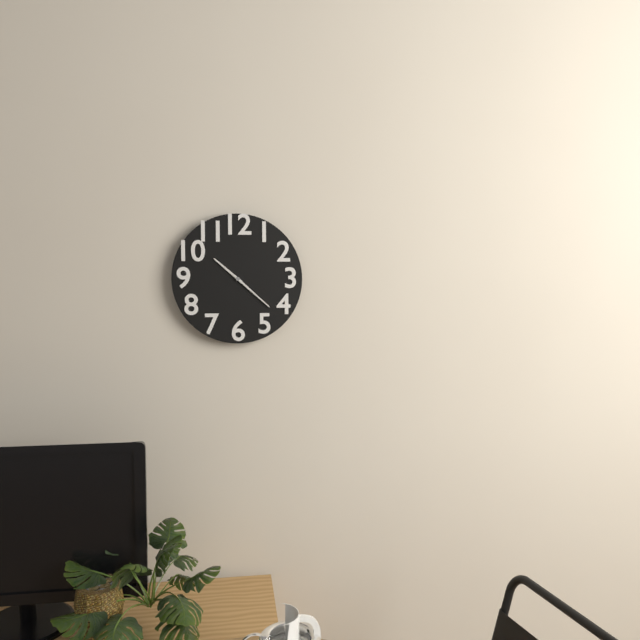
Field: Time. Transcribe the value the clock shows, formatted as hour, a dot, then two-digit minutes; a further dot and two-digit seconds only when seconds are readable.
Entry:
10.22
